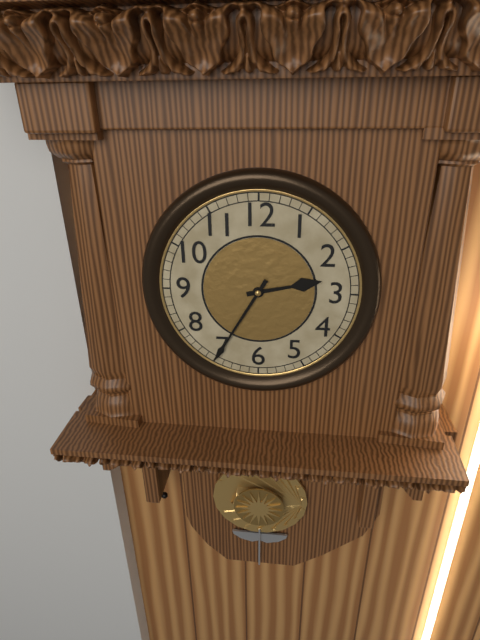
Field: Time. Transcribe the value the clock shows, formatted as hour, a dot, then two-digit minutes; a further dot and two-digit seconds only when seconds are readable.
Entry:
2.35
